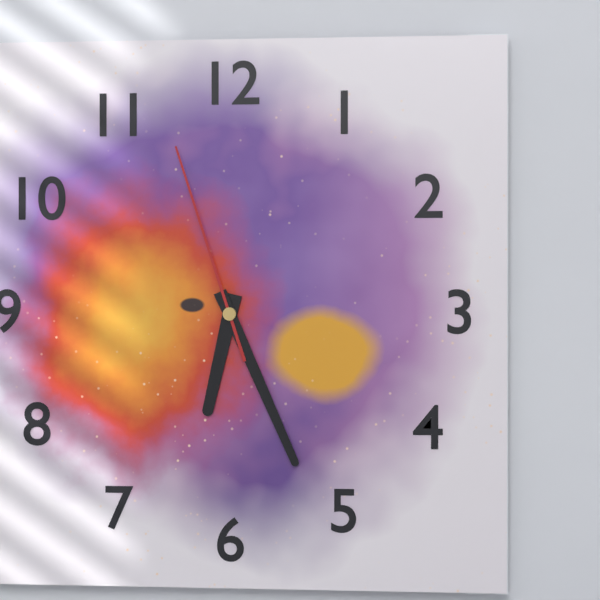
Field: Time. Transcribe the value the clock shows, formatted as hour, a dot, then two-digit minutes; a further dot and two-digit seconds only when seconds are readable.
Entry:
6.26.57
